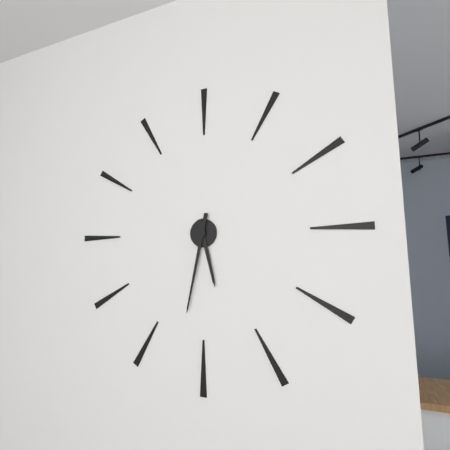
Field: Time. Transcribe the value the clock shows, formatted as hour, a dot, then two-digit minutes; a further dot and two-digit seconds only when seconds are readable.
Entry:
5.32
